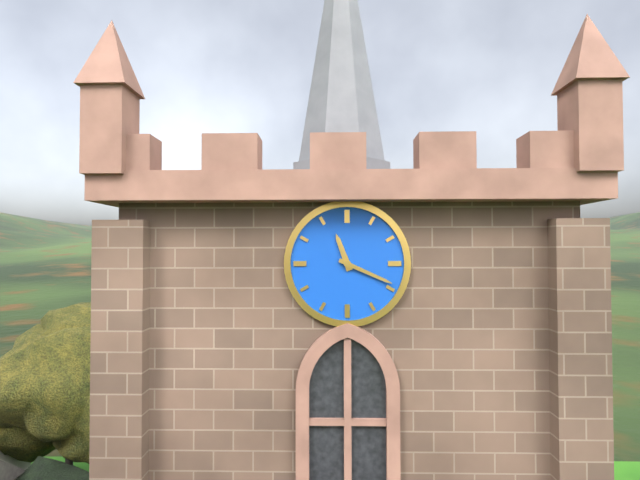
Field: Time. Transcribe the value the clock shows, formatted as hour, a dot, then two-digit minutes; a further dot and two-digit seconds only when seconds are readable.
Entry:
11.19
